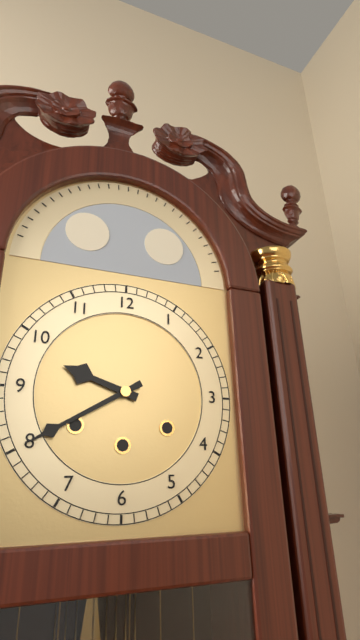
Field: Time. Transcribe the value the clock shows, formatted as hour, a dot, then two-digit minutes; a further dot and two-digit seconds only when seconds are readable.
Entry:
9.40
